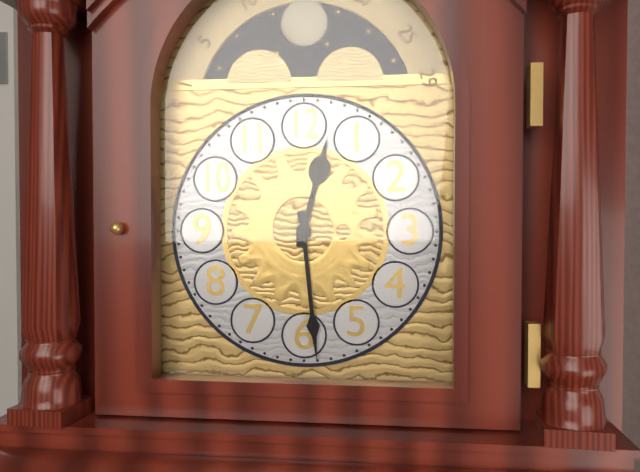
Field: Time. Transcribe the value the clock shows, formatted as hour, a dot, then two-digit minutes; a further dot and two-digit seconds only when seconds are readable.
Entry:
12.29
